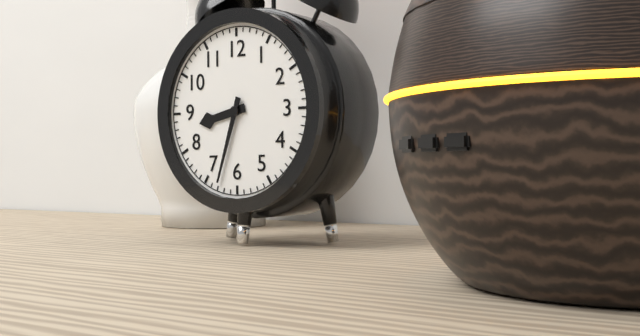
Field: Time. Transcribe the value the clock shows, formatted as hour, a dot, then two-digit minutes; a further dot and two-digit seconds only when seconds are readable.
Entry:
8.33
